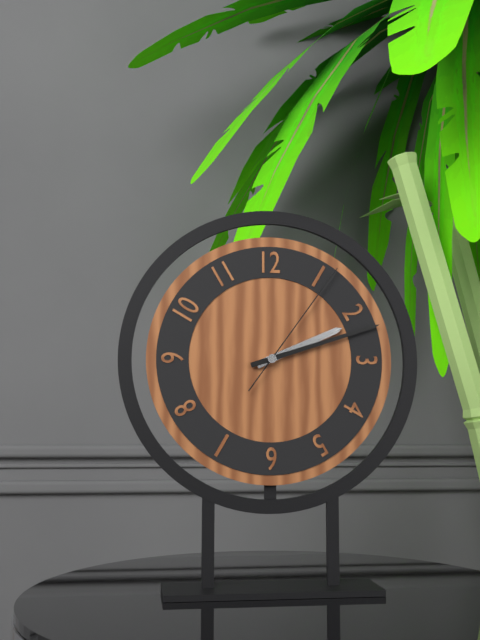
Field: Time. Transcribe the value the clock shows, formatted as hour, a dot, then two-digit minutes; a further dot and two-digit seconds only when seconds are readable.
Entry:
2.12.06
